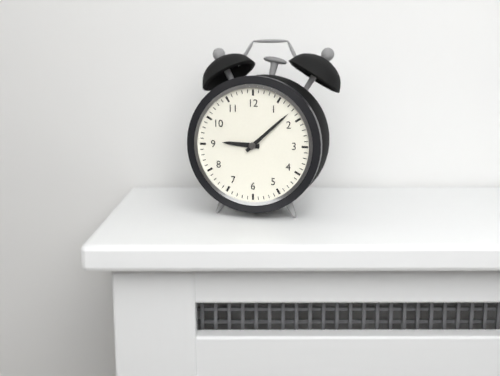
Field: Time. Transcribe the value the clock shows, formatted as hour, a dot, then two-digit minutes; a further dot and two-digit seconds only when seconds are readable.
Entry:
9.08
